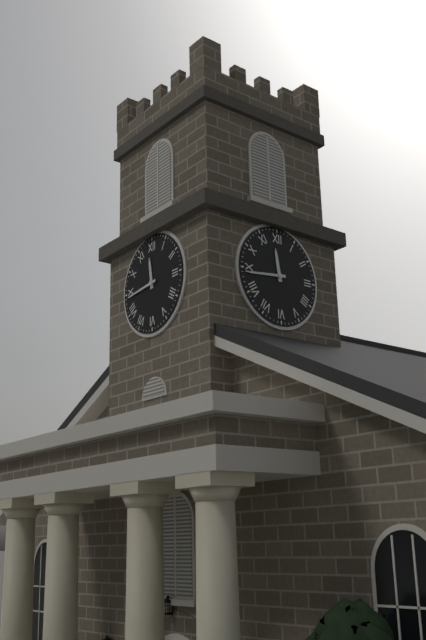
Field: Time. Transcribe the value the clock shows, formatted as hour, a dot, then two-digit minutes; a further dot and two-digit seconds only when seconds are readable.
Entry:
11.44
